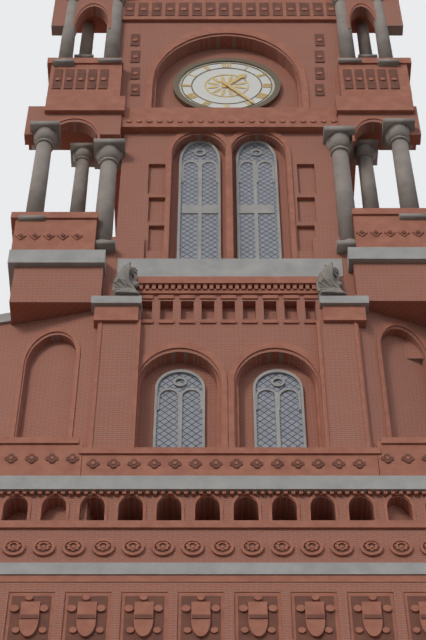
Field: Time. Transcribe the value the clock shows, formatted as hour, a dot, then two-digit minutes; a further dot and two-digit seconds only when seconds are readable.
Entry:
1.24
